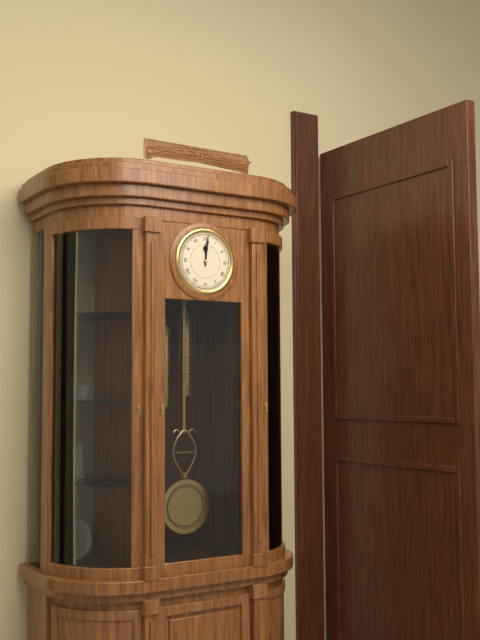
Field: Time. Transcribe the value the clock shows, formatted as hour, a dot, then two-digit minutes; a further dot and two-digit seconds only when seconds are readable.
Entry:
12.01
